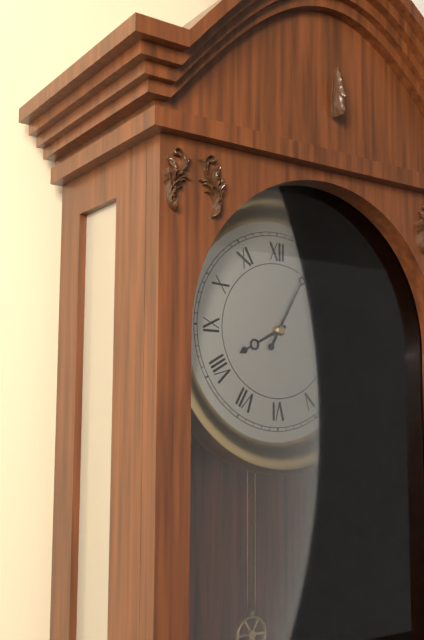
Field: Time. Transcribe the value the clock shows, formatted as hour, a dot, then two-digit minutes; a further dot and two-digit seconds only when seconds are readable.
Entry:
8.05
